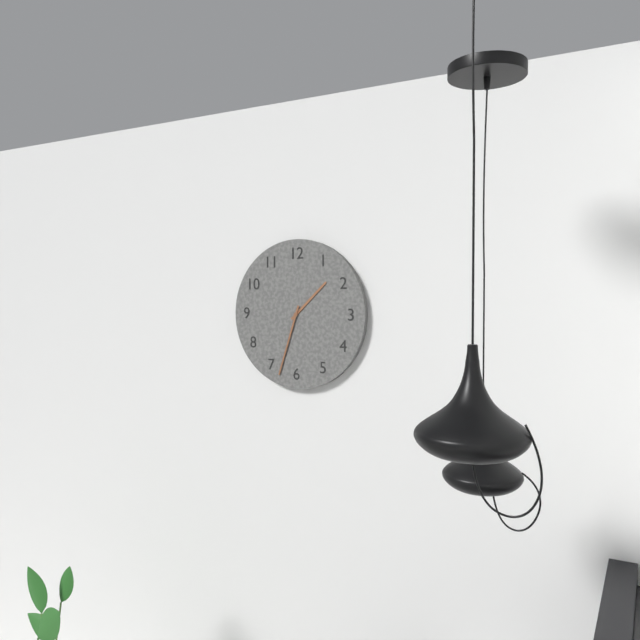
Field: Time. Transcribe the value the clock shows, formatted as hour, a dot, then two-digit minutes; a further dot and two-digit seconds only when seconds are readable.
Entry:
1.33
